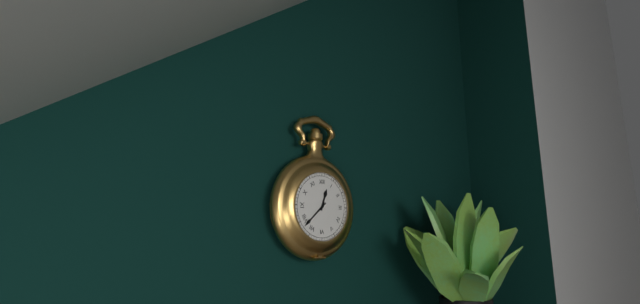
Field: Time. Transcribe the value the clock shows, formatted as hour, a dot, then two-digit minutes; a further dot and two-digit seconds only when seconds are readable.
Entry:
12.38
